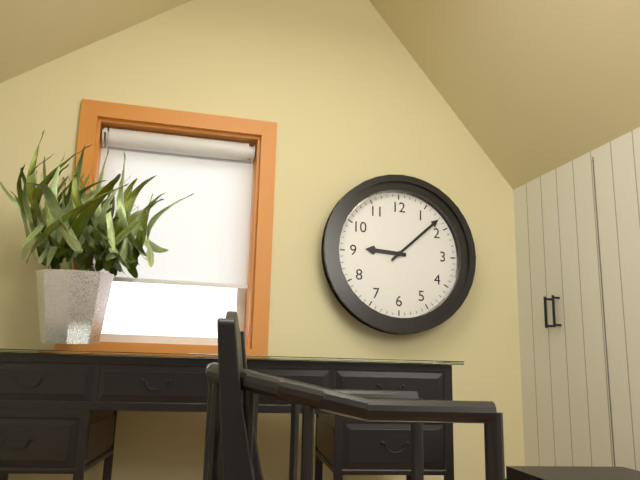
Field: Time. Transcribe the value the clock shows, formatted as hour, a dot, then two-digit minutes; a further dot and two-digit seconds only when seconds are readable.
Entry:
9.08
